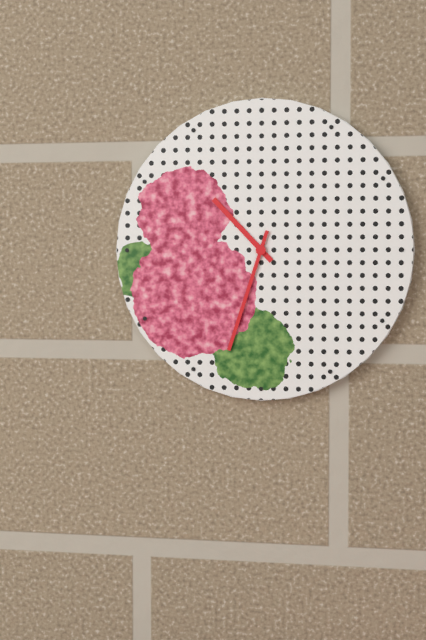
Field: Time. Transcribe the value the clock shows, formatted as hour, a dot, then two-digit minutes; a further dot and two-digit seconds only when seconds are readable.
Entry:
10.33
